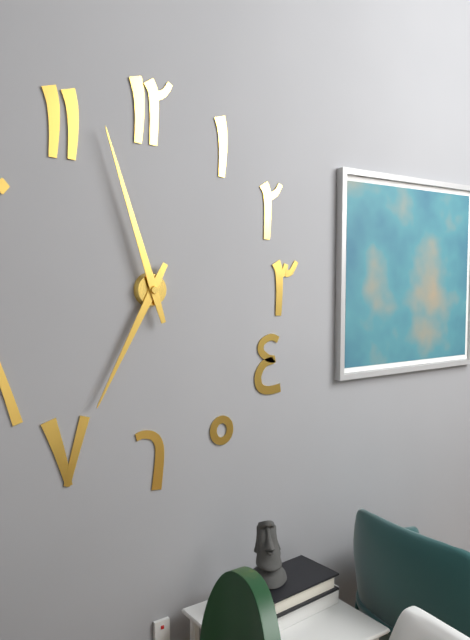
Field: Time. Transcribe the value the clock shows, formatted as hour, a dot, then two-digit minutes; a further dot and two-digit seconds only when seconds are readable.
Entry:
6.57
